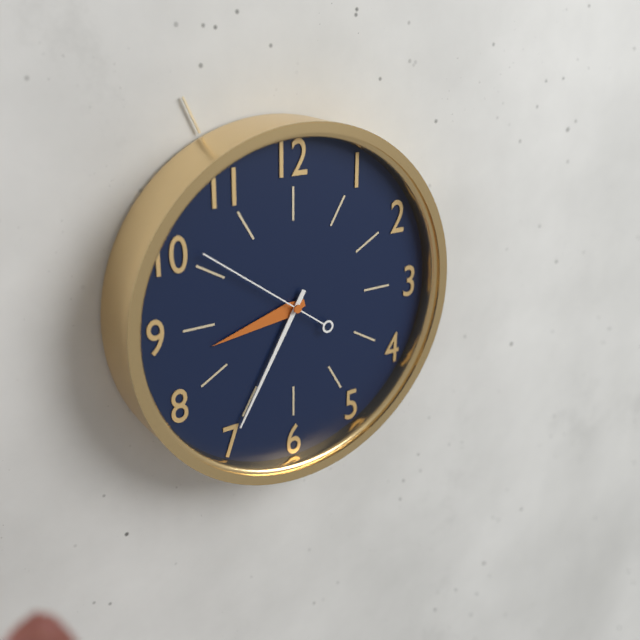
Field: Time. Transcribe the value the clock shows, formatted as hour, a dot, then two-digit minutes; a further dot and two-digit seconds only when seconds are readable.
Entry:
8.35.51
